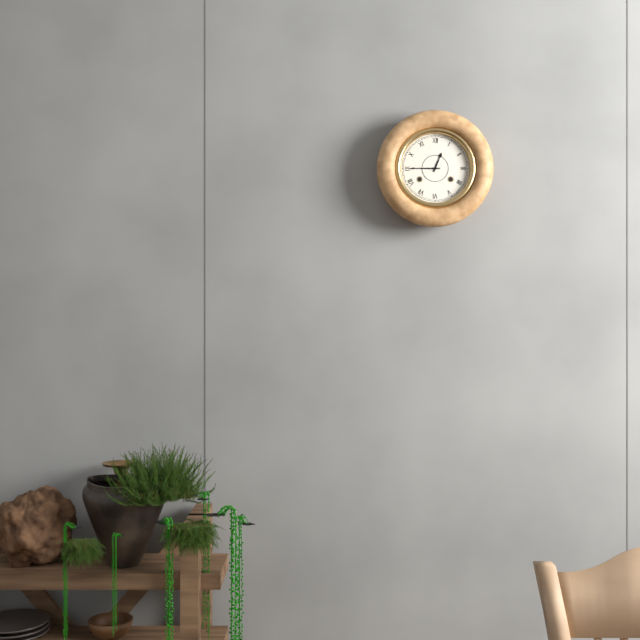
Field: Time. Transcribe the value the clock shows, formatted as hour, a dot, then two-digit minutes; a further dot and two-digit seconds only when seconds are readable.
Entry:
12.45
